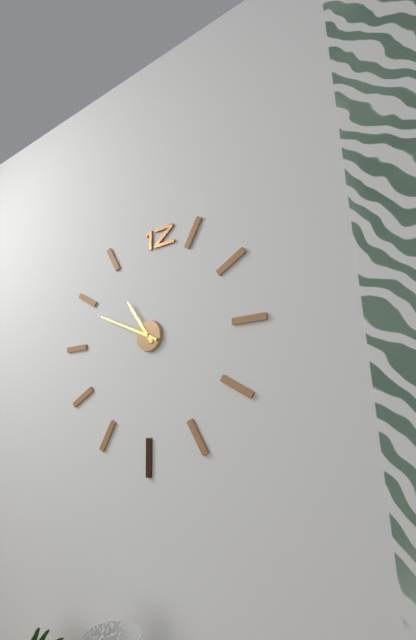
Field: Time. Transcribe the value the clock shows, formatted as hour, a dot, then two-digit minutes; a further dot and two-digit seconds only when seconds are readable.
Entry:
10.49
